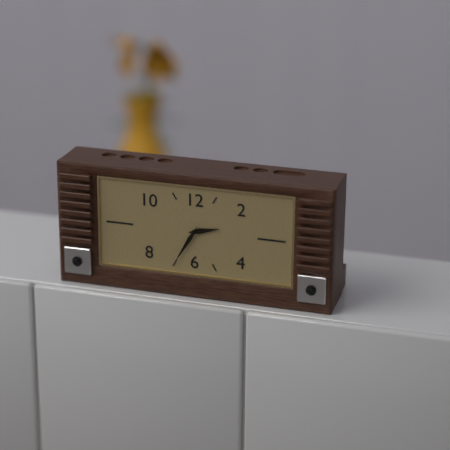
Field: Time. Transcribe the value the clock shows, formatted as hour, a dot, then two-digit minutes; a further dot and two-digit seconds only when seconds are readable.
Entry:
2.35
